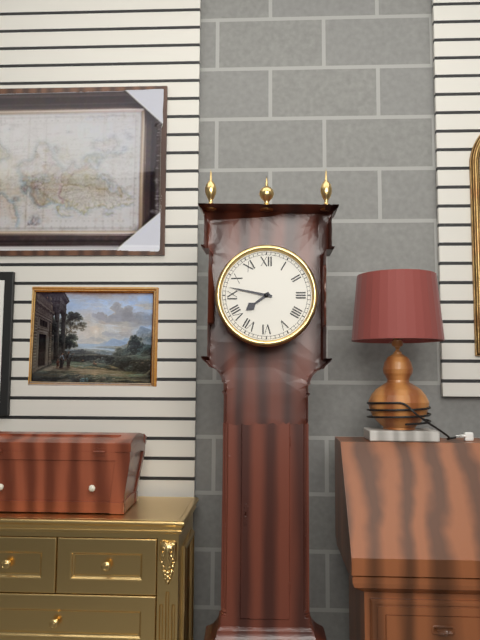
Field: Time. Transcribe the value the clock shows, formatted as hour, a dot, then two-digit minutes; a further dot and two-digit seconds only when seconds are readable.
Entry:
7.47
